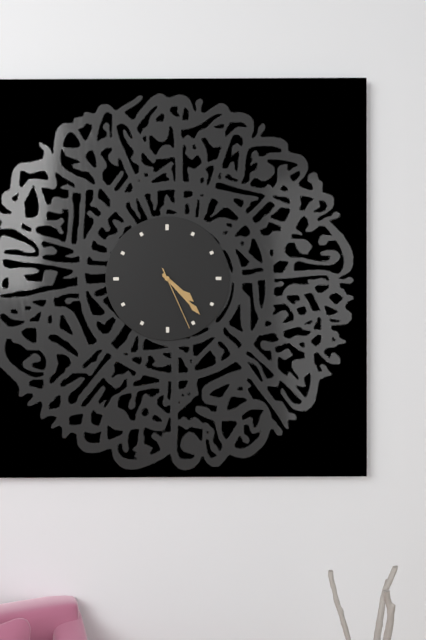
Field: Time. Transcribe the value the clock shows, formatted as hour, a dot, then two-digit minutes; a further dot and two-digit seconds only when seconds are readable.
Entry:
4.23.26
